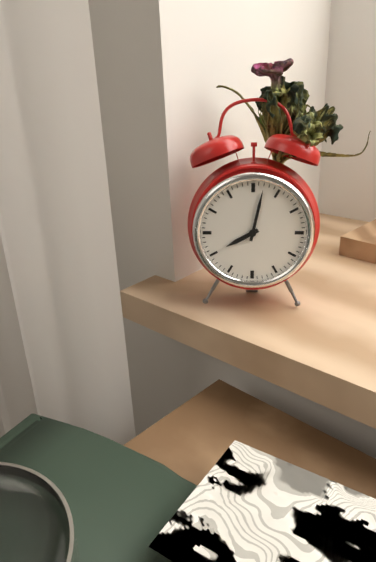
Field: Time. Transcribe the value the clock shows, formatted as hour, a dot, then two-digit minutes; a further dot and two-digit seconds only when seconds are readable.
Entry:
8.02
